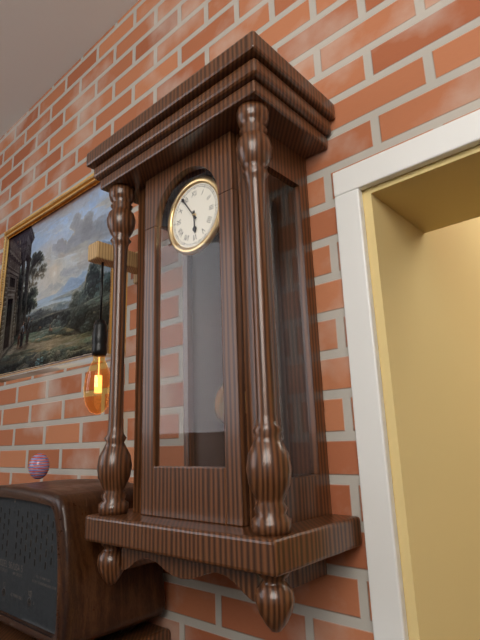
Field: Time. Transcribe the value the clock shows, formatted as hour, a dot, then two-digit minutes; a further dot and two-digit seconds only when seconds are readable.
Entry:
5.54
